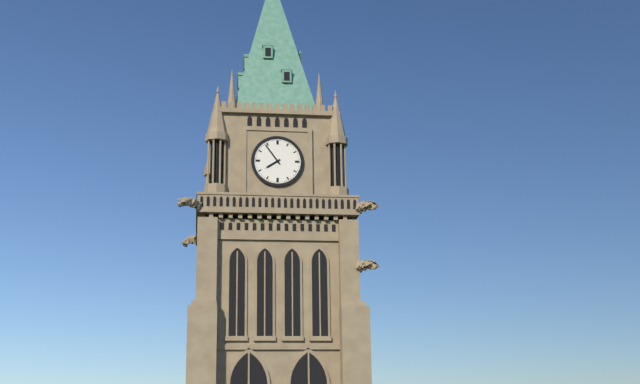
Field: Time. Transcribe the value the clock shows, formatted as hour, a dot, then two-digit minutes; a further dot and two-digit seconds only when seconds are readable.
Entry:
7.54
